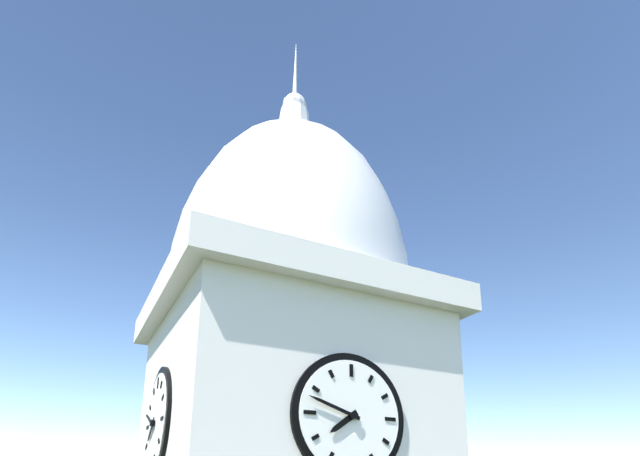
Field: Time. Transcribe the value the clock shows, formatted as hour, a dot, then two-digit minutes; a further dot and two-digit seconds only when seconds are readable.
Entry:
7.48
